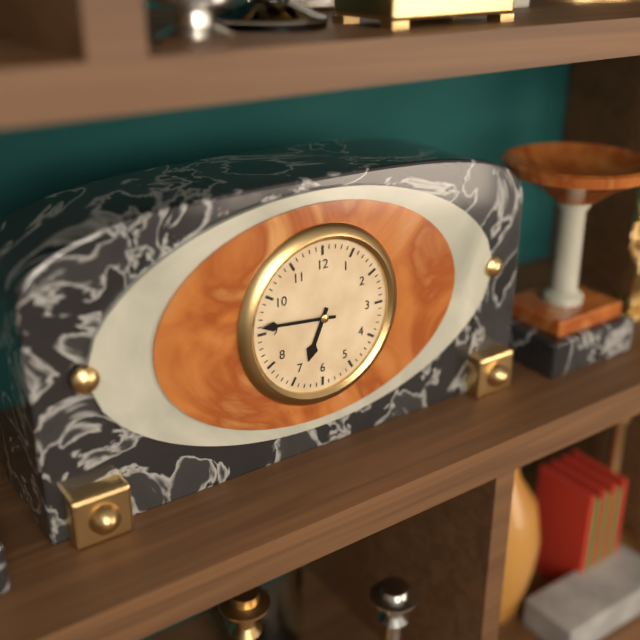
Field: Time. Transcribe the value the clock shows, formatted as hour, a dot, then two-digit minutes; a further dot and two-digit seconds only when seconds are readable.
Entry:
6.46
